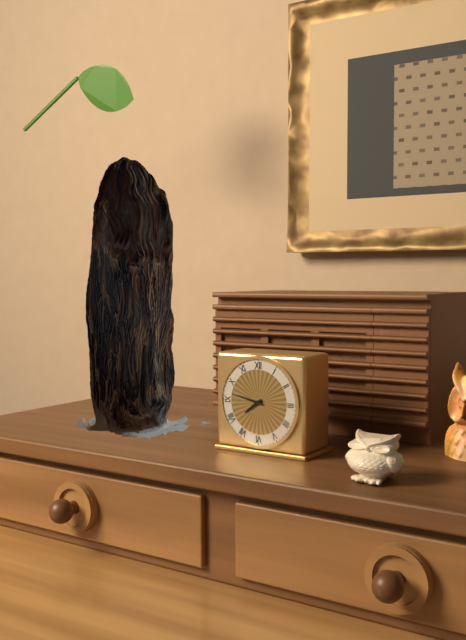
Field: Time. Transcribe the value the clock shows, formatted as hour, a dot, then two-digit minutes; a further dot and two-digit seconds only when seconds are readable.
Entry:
7.47
